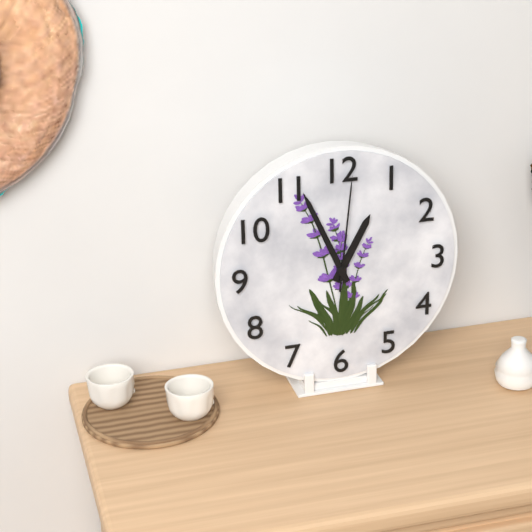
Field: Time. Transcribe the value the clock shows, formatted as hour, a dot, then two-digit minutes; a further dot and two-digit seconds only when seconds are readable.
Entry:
12.56.01
